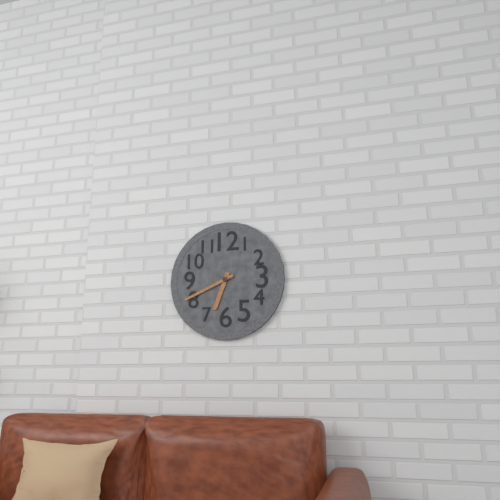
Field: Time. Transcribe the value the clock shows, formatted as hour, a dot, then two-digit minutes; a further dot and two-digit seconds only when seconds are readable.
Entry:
6.41
